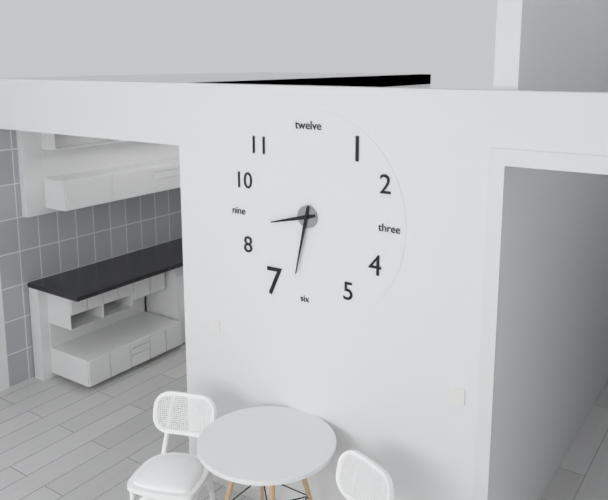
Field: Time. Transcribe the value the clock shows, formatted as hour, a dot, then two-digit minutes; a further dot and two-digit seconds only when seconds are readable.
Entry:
8.32
